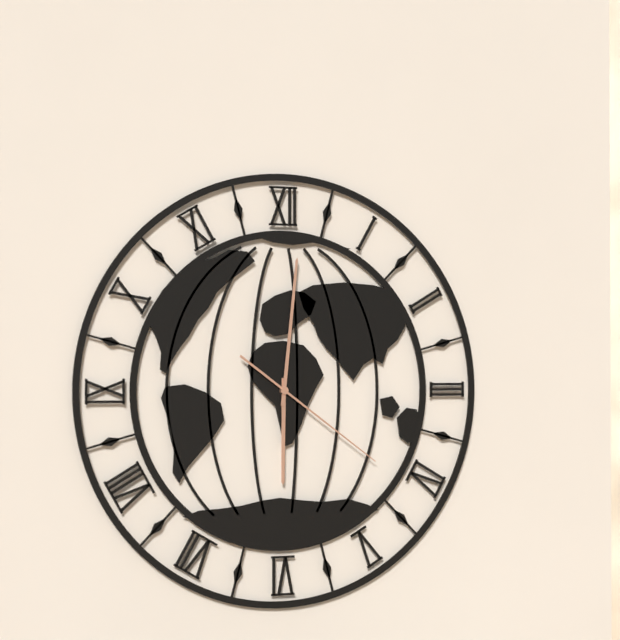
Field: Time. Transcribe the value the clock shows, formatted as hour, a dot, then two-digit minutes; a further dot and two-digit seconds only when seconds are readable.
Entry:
6.01.21
